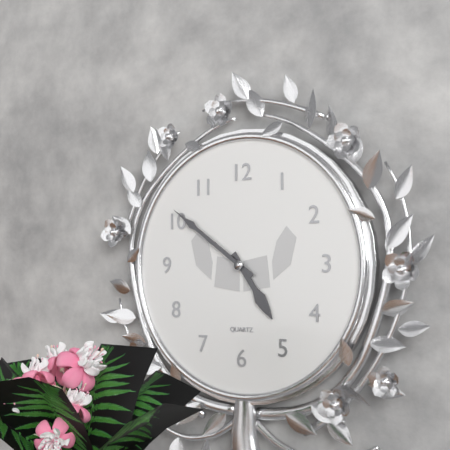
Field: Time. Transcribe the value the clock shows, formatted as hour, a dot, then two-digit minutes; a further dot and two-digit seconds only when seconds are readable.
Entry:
4.51
